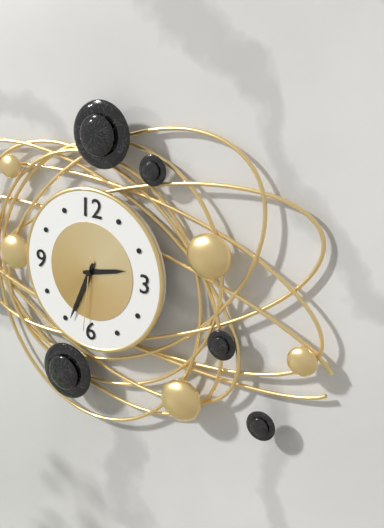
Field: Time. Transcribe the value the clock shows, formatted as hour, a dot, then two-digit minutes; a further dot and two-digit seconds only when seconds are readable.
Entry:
2.34.31
